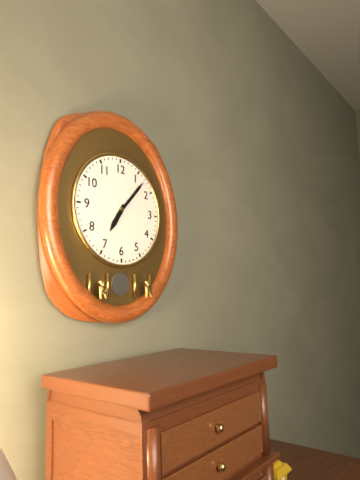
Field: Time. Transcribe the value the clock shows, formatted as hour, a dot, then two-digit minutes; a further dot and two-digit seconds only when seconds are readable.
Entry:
7.07
